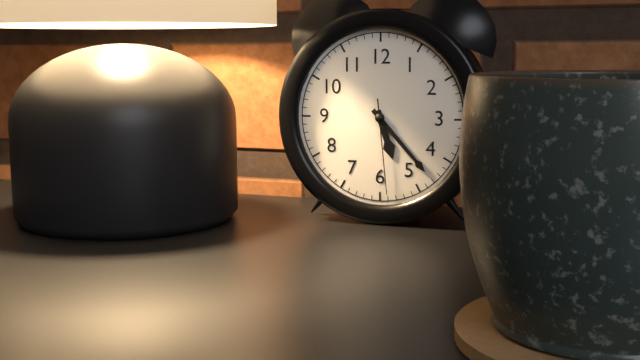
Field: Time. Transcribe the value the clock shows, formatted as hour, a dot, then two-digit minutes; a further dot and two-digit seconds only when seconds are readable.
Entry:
5.23.29
